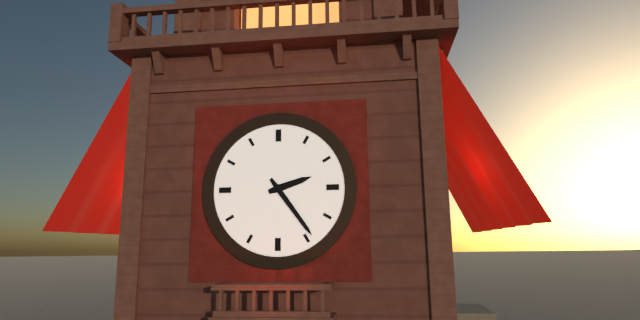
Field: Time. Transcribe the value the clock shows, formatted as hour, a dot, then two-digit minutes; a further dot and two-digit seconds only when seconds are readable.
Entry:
2.24
